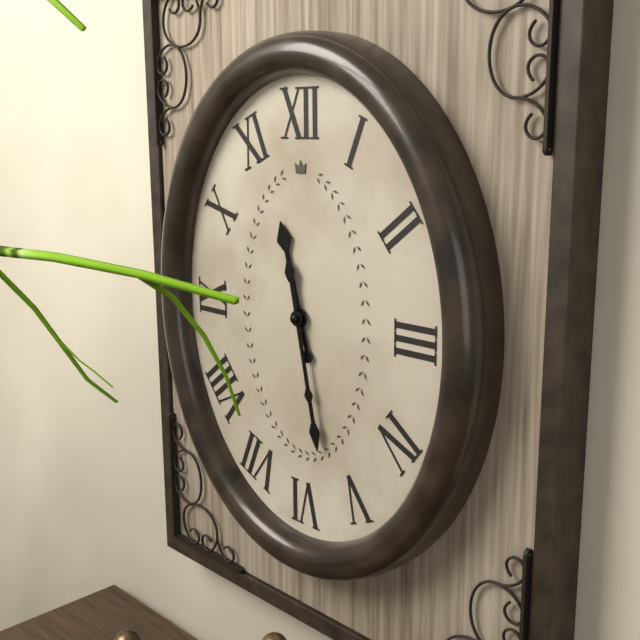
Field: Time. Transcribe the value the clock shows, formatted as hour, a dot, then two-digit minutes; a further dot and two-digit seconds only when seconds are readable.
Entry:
11.28
